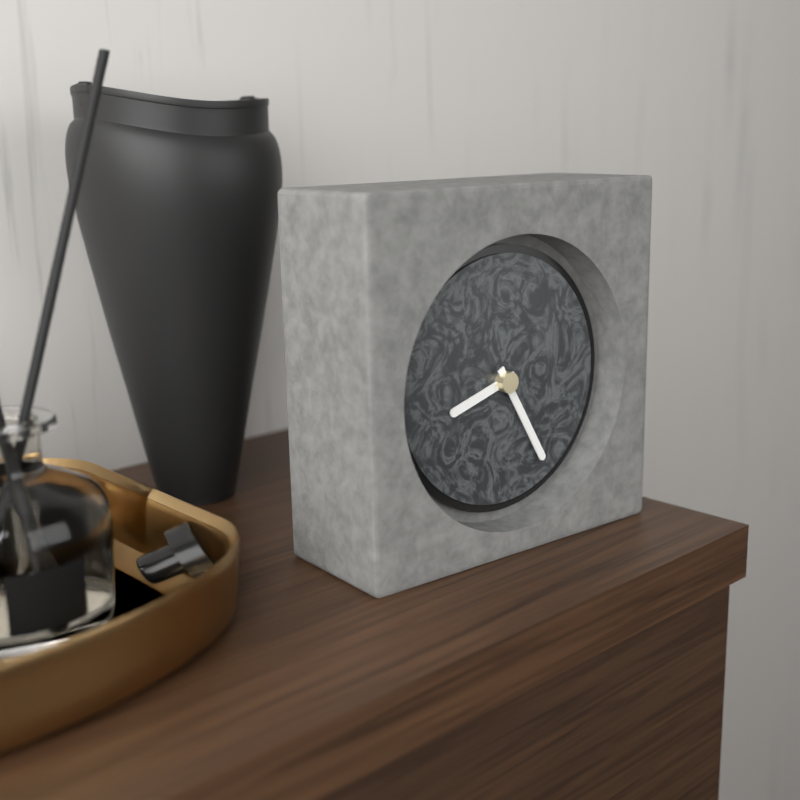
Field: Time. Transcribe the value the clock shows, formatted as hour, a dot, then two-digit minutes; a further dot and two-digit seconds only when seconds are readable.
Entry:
8.25
